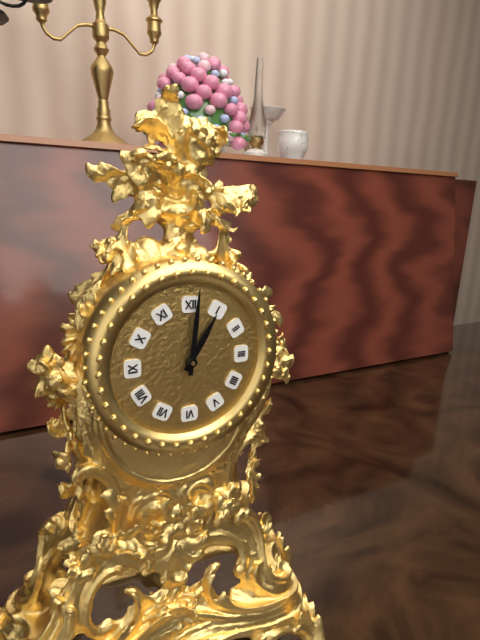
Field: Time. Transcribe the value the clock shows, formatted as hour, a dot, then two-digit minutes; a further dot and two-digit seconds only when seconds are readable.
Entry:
1.01
